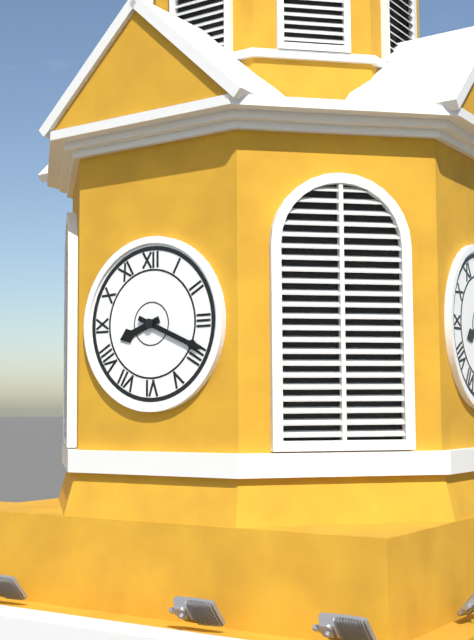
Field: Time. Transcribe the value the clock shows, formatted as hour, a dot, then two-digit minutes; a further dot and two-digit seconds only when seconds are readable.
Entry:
8.19
